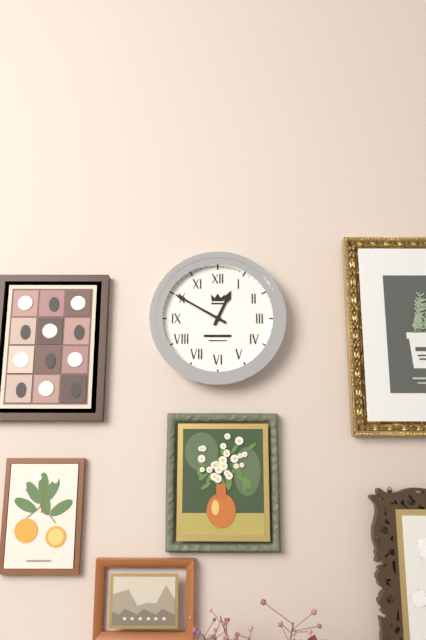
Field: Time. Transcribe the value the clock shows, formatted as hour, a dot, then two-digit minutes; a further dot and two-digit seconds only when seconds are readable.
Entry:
12.50
